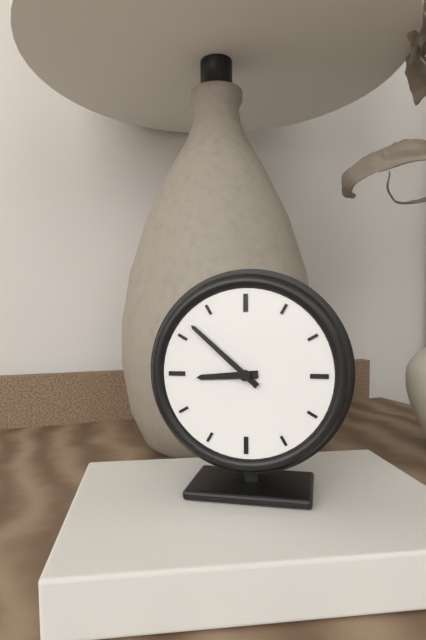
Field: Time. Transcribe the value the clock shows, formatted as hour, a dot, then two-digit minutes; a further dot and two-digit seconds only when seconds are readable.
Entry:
8.52
